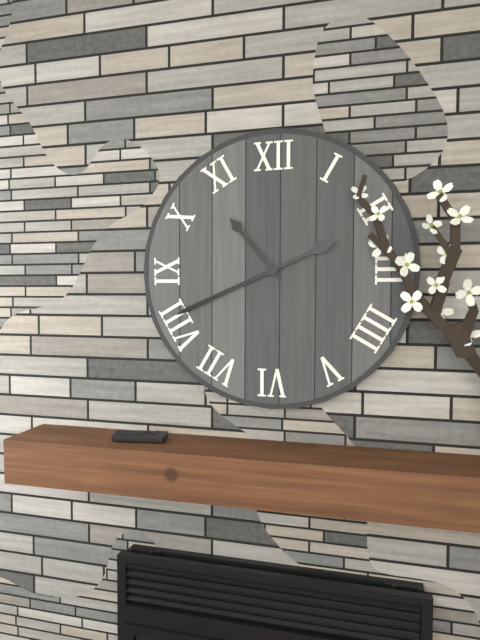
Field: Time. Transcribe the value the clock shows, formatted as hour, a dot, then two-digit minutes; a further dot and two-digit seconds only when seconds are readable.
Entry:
10.41
